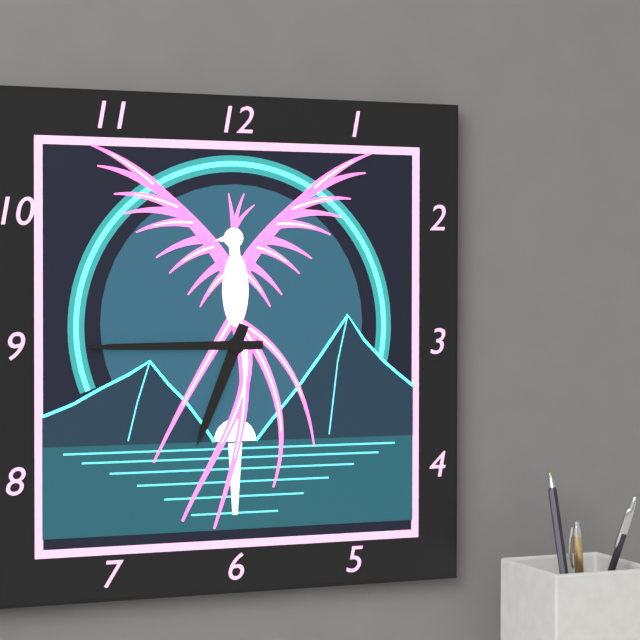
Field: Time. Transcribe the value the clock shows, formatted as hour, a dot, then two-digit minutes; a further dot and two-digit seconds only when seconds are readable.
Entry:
6.45
